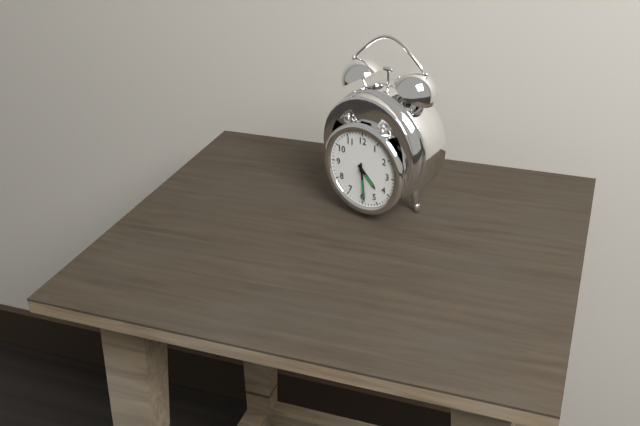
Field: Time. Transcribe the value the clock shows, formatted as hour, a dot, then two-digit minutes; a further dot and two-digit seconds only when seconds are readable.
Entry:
4.29
